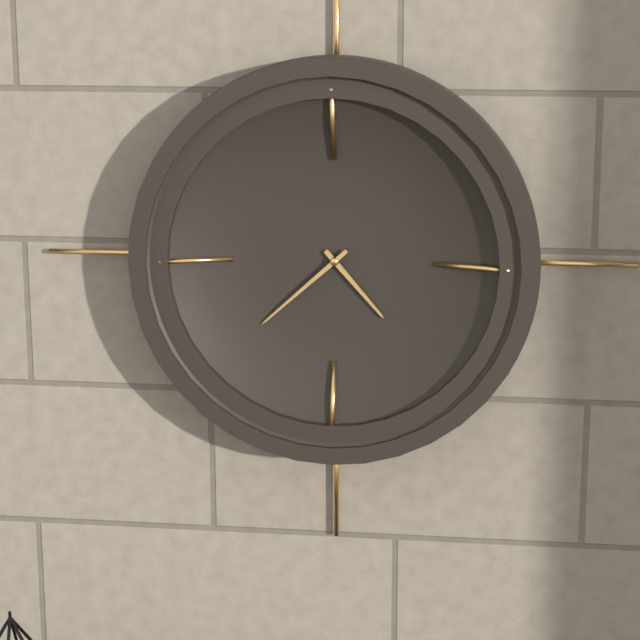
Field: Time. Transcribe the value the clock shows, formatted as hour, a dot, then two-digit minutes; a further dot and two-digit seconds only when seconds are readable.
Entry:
4.38
